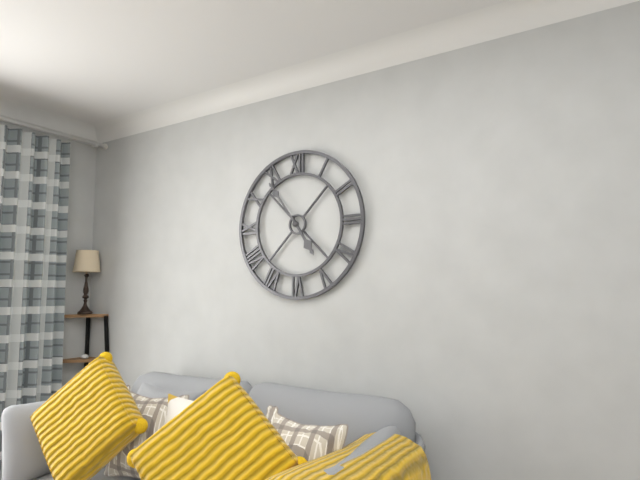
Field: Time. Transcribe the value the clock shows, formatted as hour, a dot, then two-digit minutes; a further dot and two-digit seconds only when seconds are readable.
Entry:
4.54
